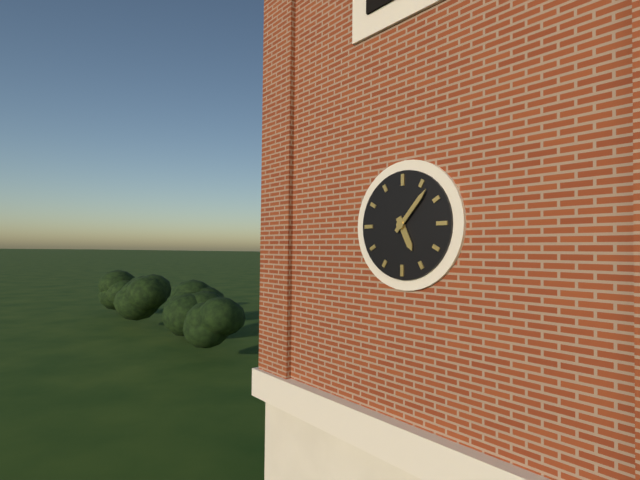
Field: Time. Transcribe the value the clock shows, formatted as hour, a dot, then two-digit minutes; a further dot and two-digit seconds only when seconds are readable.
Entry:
5.07
